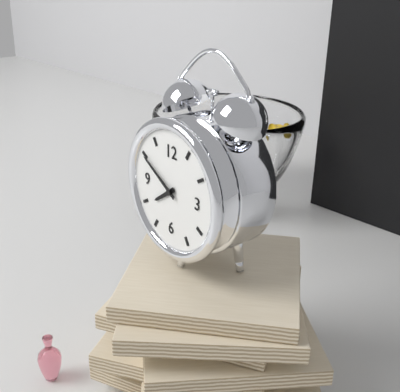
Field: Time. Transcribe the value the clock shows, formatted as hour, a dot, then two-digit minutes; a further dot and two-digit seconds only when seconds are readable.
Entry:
7.50
